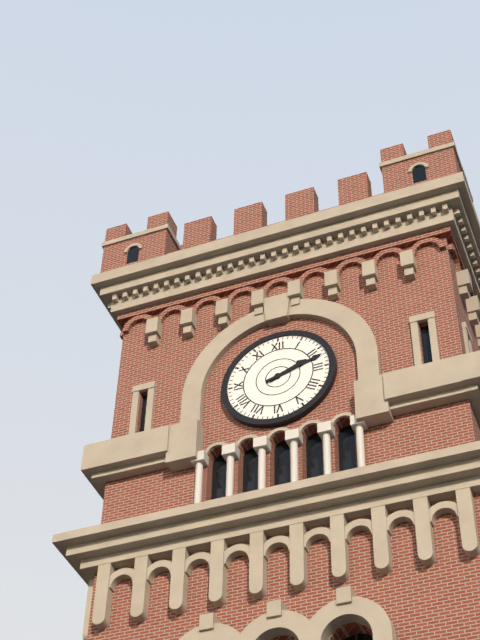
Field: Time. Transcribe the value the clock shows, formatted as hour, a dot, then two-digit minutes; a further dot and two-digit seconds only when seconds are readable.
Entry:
2.12
